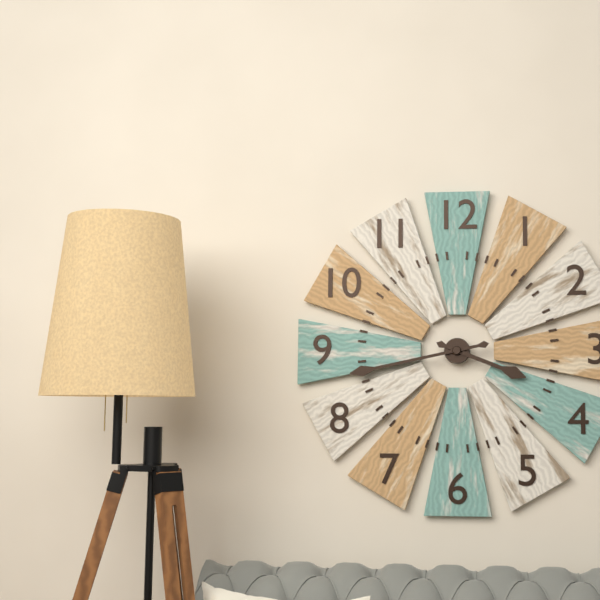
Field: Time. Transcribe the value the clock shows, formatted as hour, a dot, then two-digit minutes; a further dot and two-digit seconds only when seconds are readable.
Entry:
3.43
